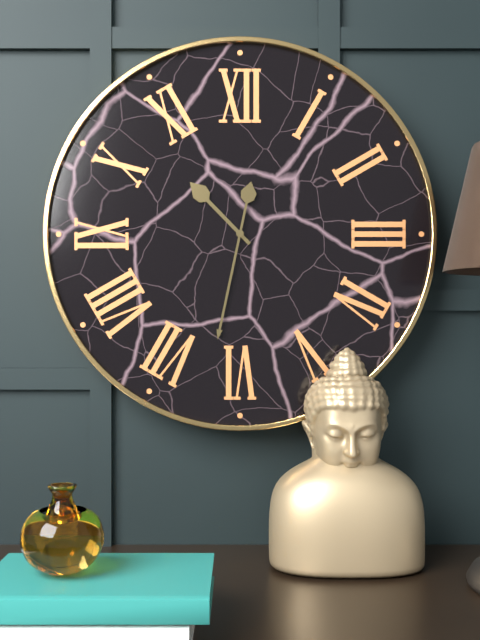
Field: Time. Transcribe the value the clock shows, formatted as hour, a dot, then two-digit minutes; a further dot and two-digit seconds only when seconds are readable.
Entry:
10.32
